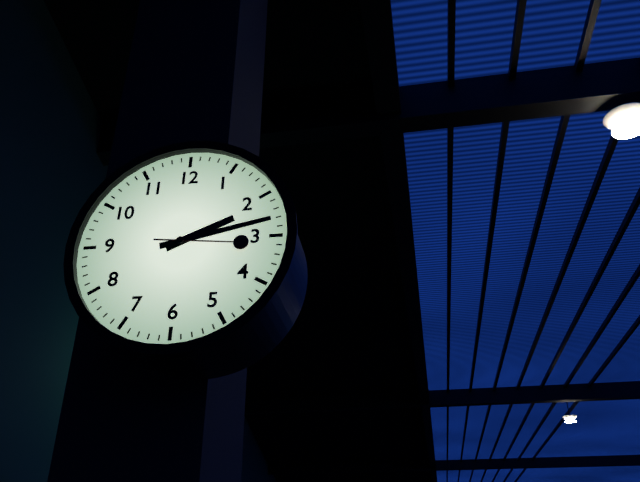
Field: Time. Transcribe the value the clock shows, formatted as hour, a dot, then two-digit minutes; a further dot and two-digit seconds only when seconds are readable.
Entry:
2.13.16
